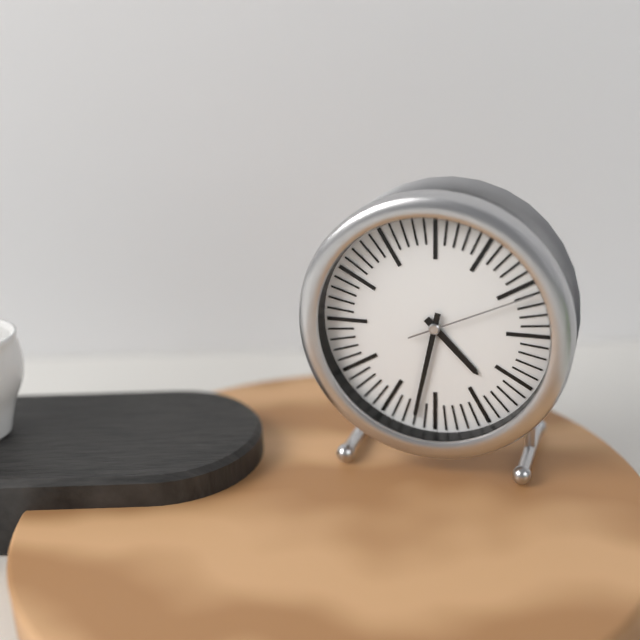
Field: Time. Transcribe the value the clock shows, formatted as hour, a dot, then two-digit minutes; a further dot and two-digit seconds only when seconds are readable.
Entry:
4.32.11
